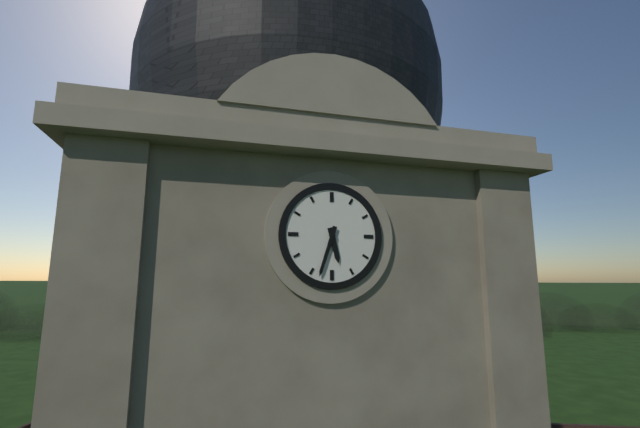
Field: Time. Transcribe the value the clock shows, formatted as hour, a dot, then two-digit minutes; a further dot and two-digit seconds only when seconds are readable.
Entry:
5.33
